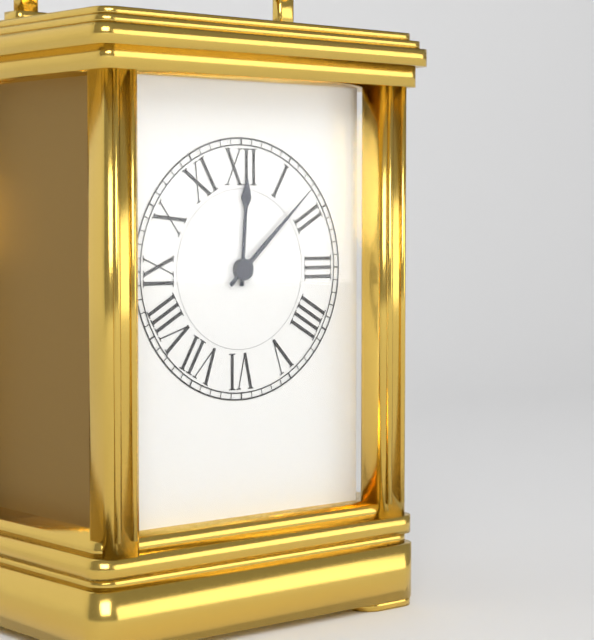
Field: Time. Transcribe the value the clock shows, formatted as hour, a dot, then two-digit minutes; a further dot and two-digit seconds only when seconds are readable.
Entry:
12.08
